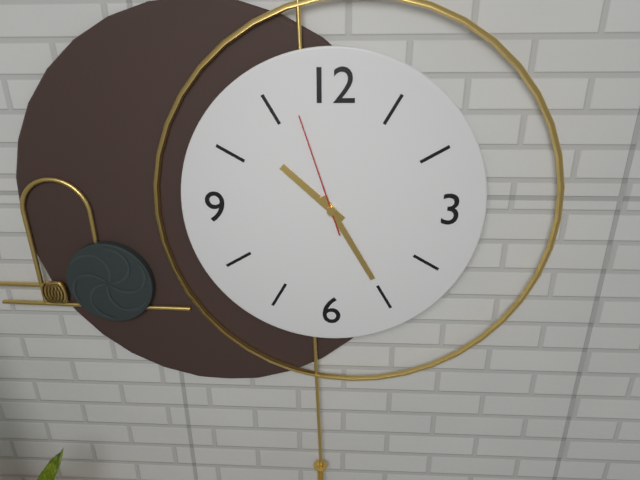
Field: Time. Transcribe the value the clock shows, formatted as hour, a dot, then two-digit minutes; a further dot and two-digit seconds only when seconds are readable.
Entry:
10.25.57
